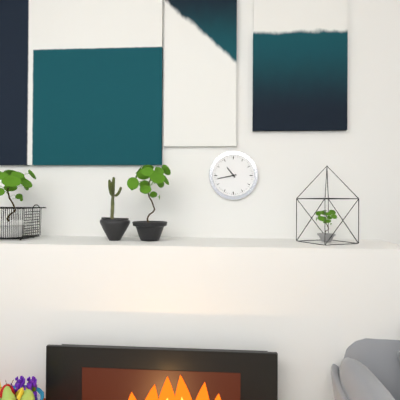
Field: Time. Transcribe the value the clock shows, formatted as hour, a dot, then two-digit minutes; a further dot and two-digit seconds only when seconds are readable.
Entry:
10.43
